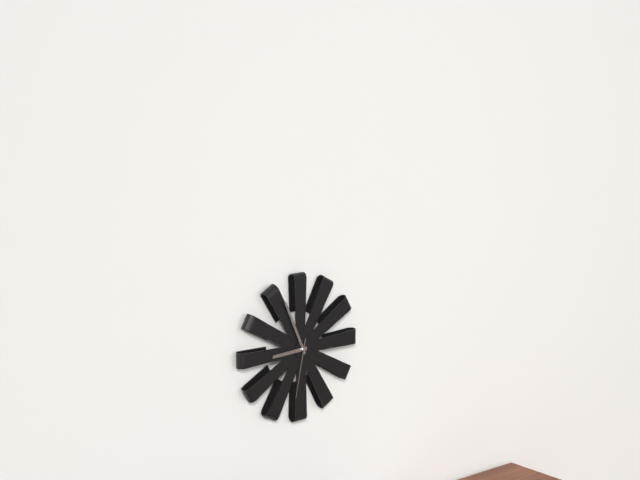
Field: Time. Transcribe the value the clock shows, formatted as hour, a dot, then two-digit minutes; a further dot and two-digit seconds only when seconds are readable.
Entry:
8.56.32
